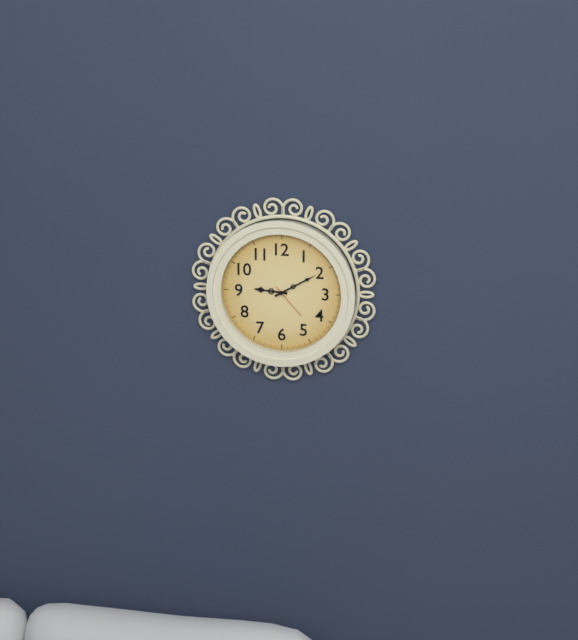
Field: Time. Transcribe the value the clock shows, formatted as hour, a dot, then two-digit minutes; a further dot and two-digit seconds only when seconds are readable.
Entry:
9.10
